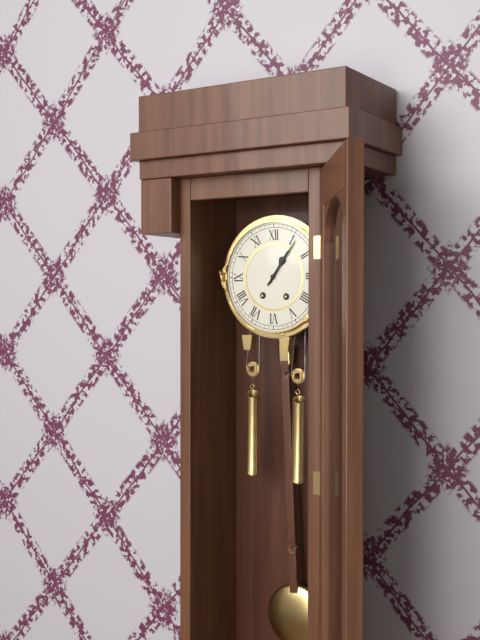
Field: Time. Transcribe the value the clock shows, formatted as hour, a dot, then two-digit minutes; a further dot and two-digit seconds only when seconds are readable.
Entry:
1.06
